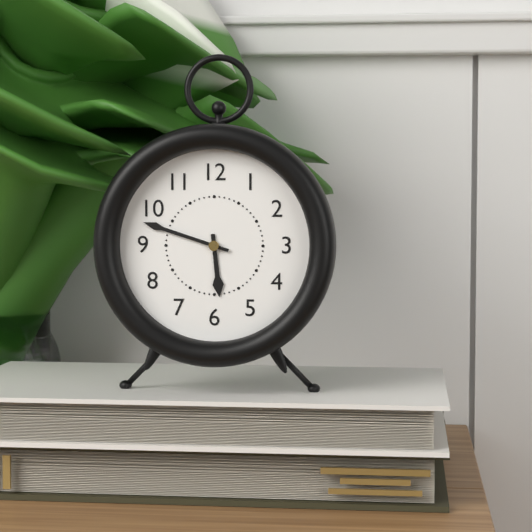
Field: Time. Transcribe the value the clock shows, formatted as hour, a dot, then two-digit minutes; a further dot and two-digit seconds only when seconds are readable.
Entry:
5.48
